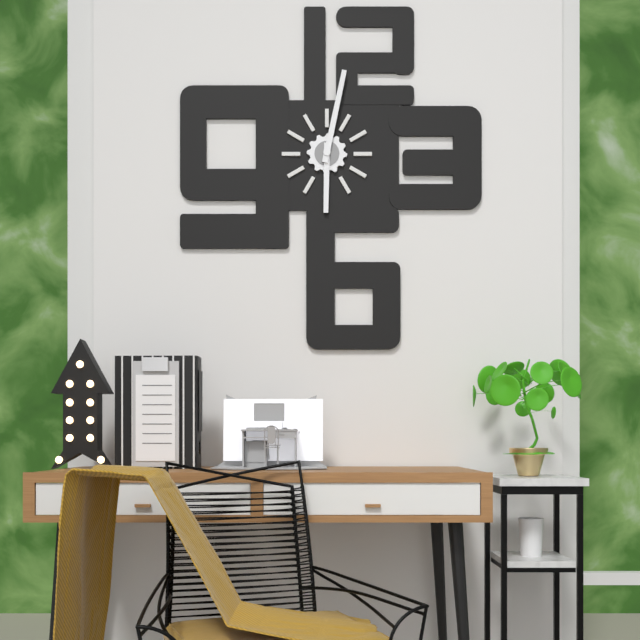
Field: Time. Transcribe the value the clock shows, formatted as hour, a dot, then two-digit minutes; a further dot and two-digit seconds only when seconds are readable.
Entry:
6.02
